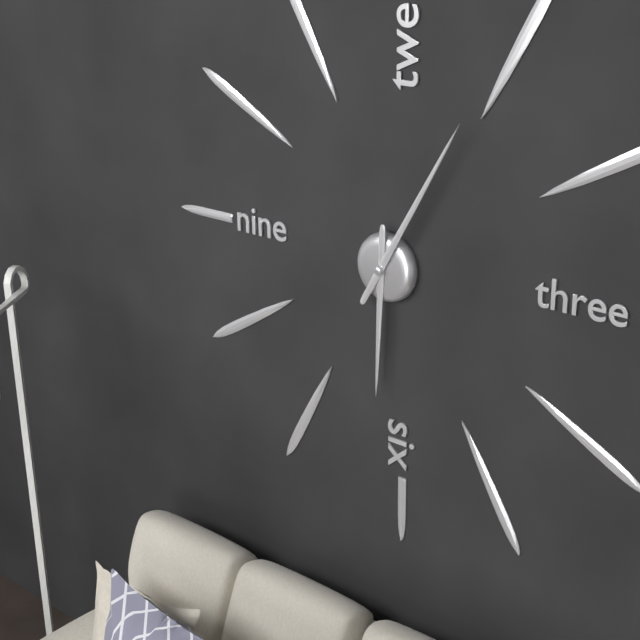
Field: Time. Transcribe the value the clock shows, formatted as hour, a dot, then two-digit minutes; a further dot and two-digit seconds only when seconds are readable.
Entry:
6.05
